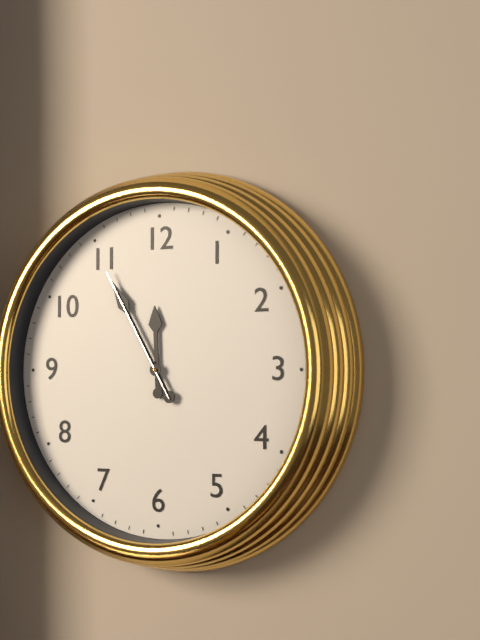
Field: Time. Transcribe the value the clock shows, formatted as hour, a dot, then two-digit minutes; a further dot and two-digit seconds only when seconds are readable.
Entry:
11.55.55
